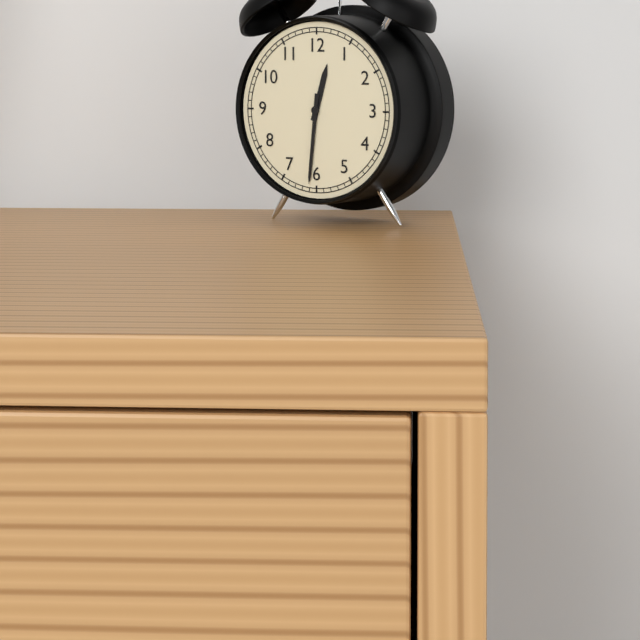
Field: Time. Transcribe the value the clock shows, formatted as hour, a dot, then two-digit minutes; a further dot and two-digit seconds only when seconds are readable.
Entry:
12.31
